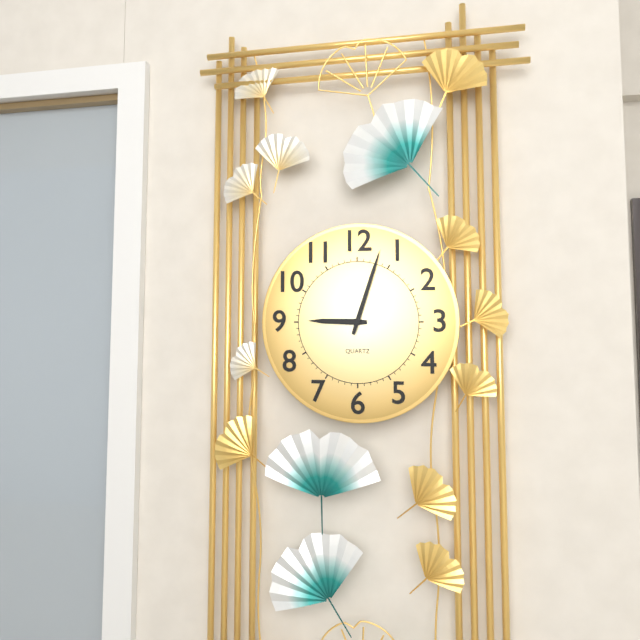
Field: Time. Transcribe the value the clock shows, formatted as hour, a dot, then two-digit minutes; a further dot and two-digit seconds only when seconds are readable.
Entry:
9.03
